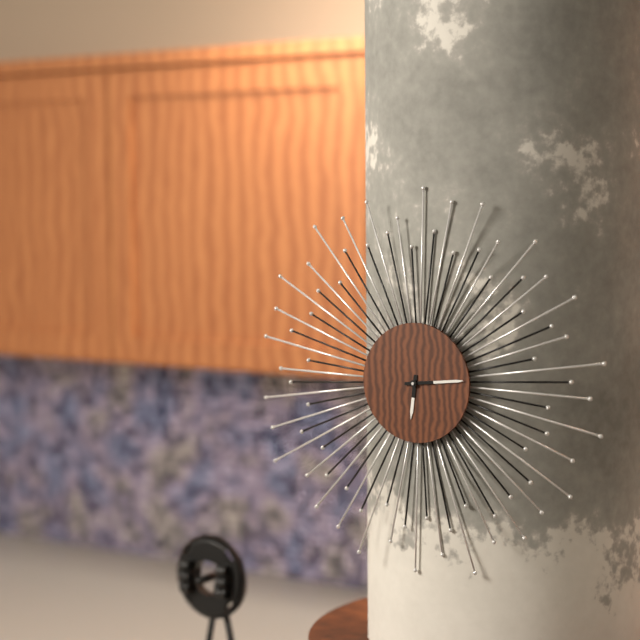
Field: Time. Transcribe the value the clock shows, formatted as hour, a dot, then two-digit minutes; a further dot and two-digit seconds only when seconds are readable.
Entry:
6.14
